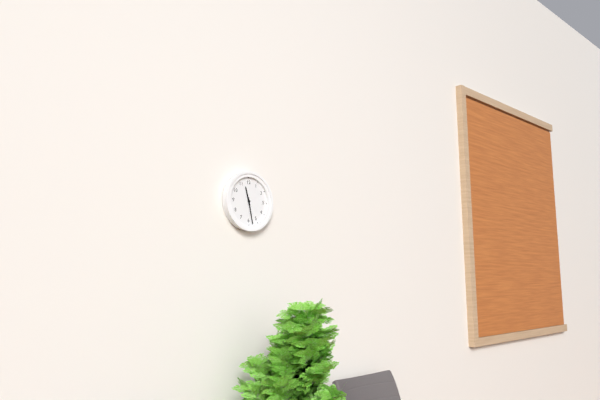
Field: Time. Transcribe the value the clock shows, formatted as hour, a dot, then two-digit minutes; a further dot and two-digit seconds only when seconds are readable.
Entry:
11.28
